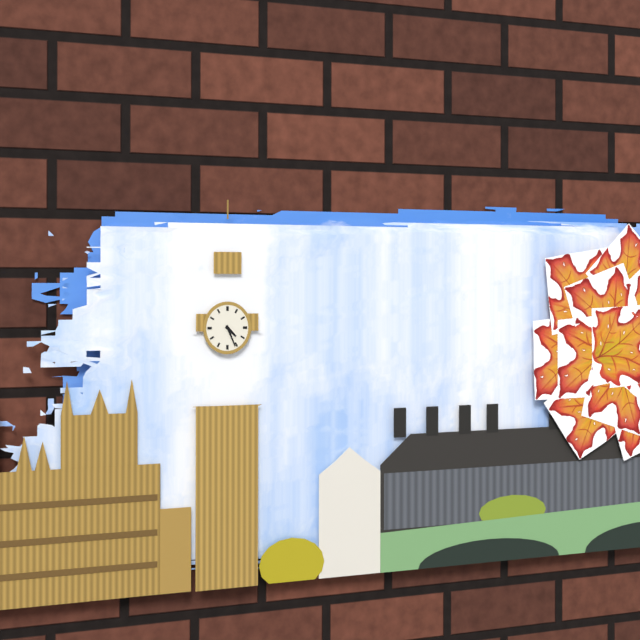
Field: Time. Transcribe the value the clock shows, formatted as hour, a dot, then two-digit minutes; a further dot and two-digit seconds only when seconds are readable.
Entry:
4.26
